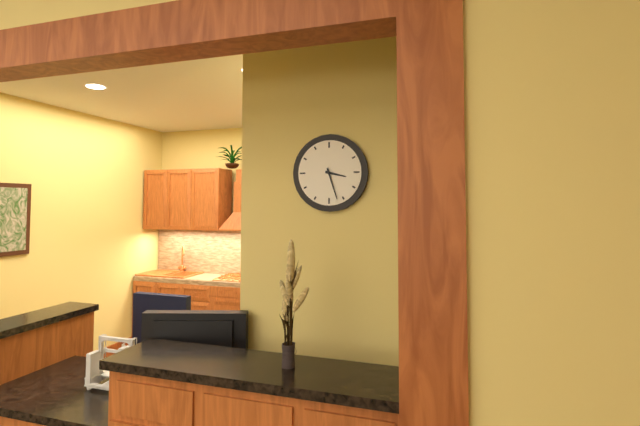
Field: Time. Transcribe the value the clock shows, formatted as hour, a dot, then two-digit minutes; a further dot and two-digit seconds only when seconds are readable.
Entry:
3.27
